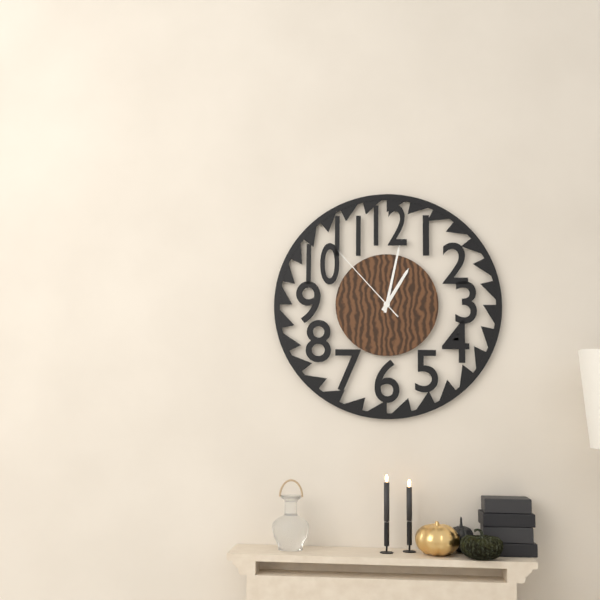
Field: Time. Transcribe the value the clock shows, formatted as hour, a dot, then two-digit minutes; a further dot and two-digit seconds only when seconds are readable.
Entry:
1.02.53
